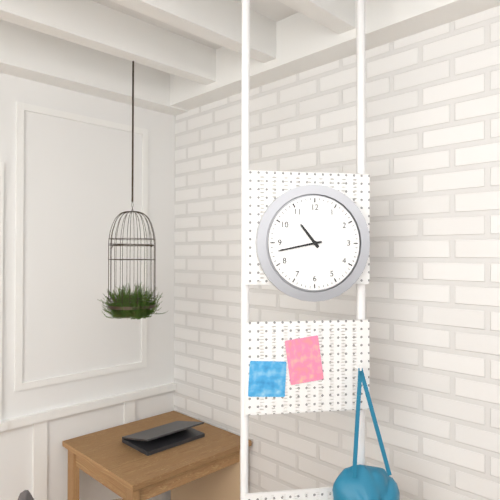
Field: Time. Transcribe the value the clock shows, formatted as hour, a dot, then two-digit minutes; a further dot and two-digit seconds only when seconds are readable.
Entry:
10.43
